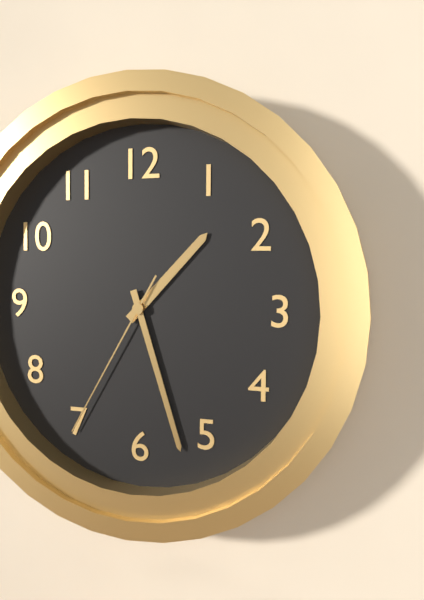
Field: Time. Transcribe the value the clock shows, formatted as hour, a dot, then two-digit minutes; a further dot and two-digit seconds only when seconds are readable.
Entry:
1.27.35
